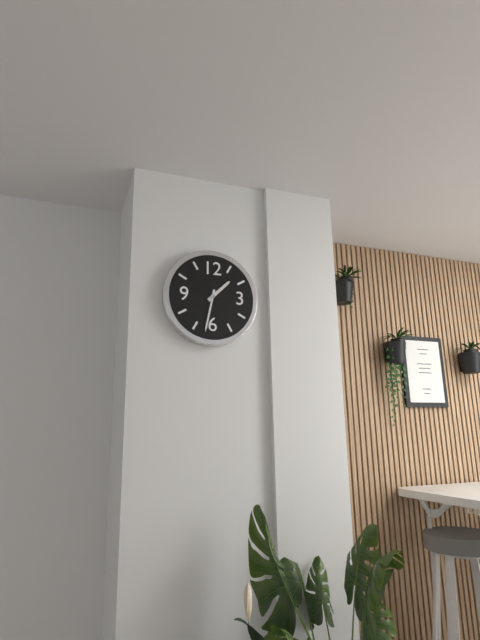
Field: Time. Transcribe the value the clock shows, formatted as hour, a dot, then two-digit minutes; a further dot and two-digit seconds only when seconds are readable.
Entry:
1.32
